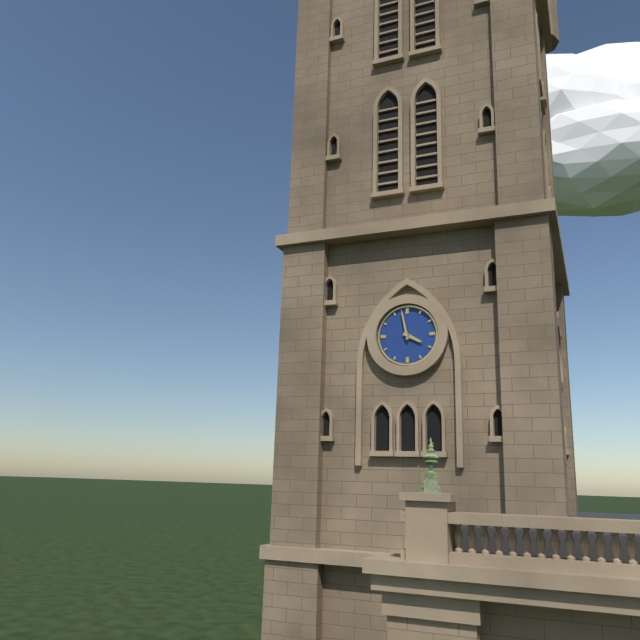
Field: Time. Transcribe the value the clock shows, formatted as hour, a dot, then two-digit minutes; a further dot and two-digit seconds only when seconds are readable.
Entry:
3.58
